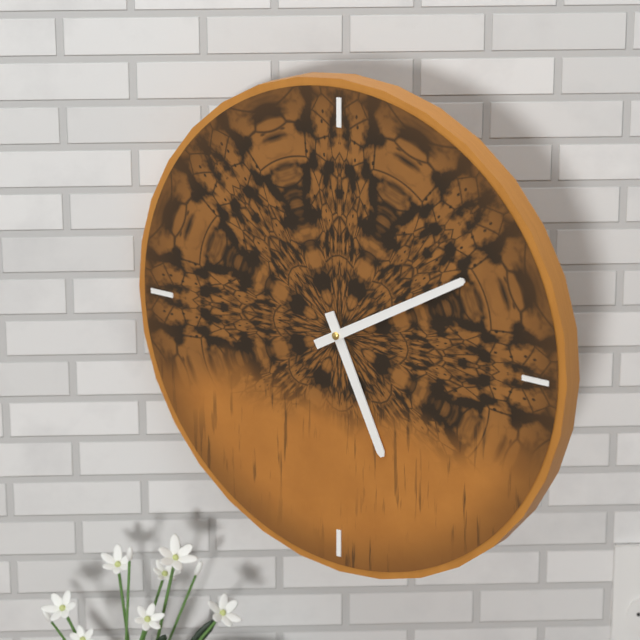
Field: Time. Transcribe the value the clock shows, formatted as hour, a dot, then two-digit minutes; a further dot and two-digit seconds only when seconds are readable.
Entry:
5.10
